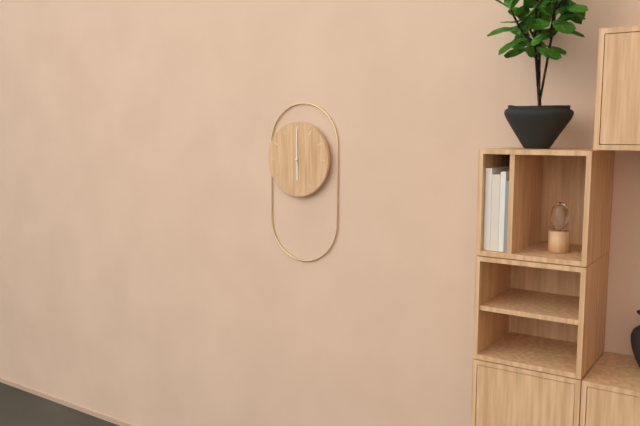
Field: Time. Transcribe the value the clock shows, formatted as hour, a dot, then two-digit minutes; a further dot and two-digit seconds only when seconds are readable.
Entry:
6.00
